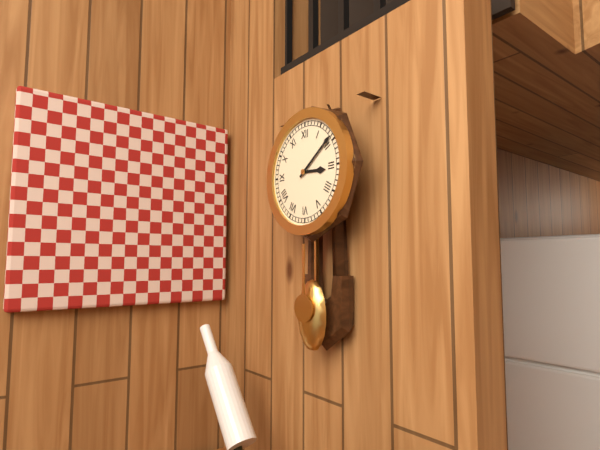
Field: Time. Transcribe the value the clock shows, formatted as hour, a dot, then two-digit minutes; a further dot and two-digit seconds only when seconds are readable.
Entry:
3.09
